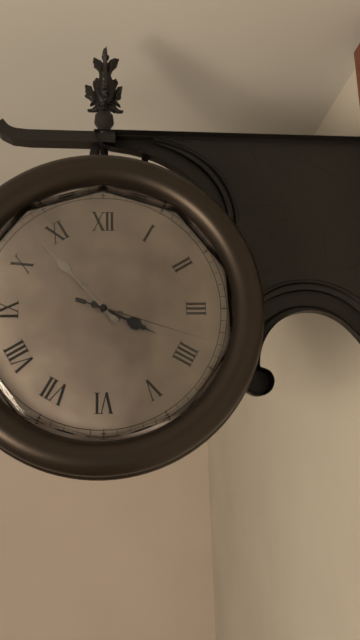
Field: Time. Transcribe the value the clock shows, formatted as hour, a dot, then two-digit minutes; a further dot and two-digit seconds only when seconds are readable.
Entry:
3.53.18
